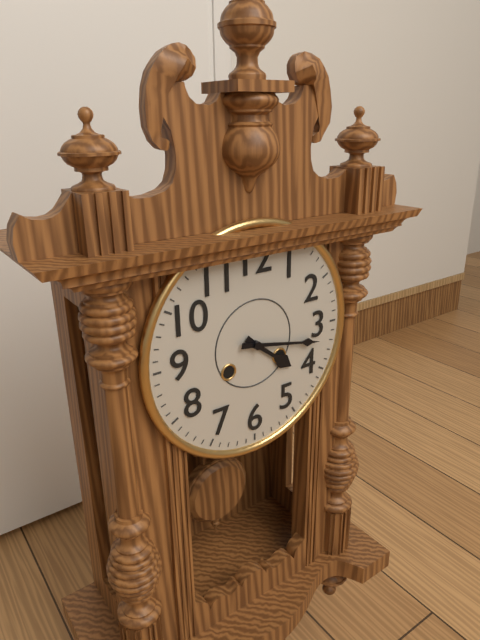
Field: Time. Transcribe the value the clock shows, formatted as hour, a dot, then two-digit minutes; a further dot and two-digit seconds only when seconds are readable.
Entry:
4.17
